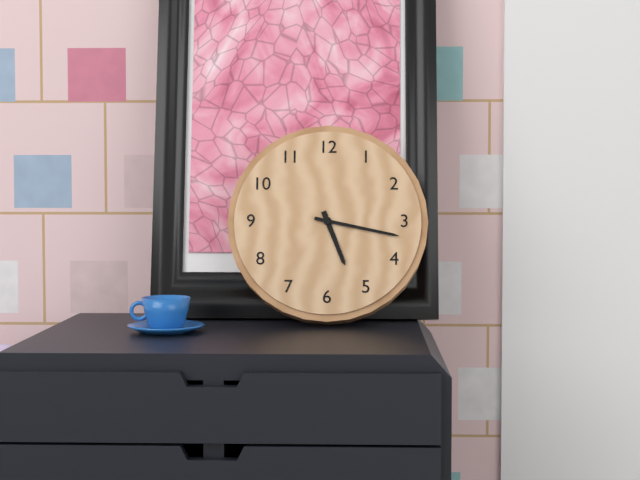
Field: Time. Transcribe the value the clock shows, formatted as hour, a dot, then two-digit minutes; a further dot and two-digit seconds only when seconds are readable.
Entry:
5.17
